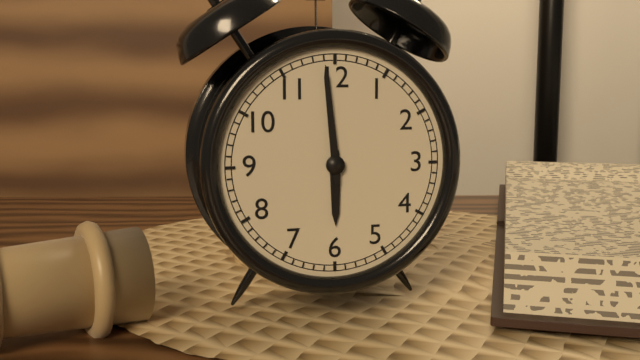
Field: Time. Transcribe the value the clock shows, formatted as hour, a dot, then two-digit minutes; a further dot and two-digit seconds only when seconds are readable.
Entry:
5.59
